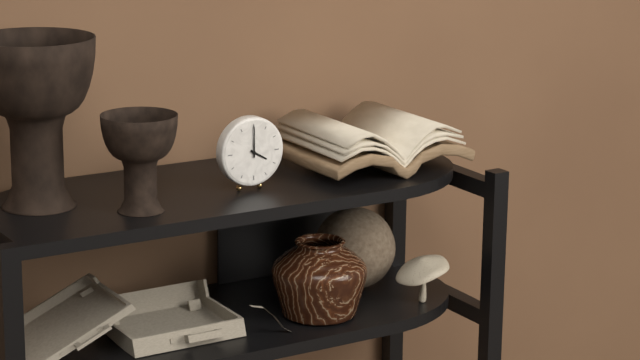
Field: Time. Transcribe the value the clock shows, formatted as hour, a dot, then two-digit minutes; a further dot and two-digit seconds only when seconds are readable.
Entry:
4.00
